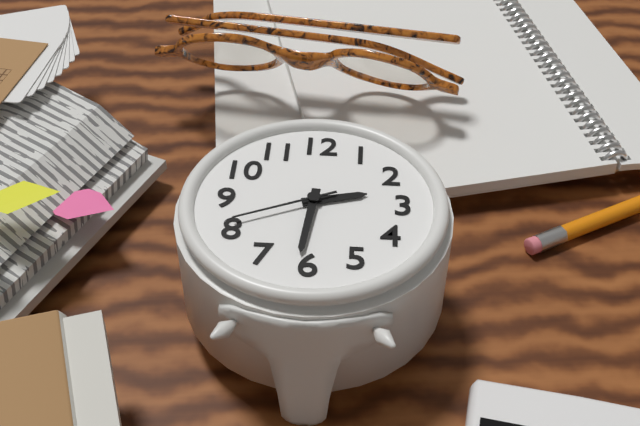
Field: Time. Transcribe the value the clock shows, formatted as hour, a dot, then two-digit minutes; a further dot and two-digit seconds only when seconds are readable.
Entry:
2.31.41
